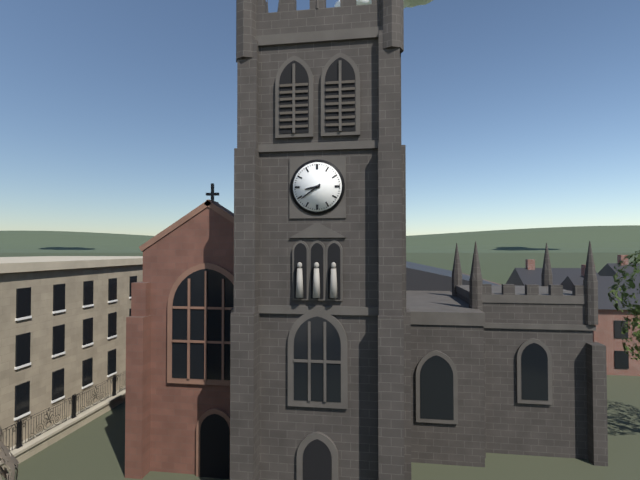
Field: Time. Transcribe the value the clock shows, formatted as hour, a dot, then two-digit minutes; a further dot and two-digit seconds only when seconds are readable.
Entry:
8.39
